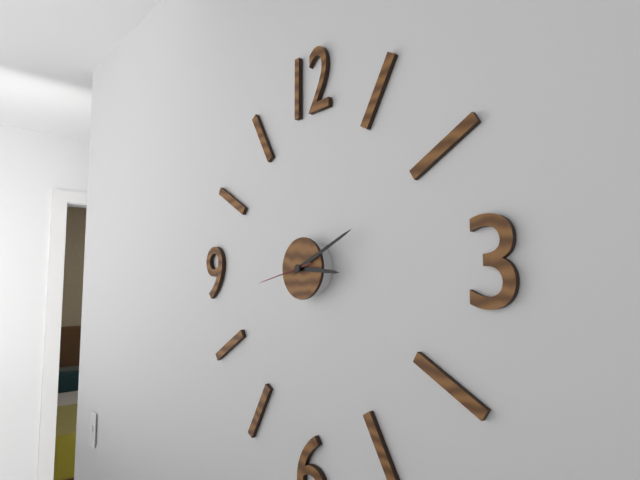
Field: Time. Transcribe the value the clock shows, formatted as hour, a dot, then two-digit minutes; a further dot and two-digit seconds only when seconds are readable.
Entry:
3.11.43
